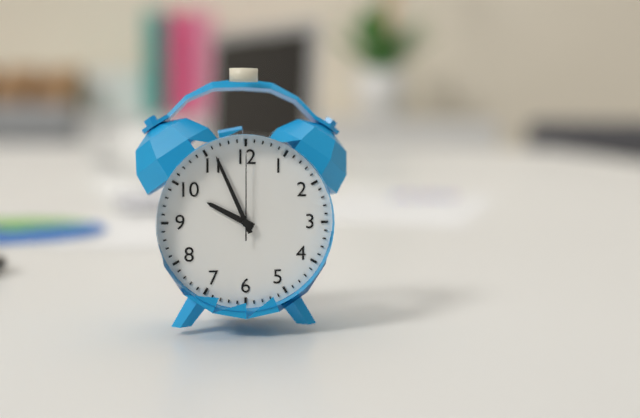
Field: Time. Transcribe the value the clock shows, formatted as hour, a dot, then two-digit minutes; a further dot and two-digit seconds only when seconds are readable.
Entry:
9.56.00
